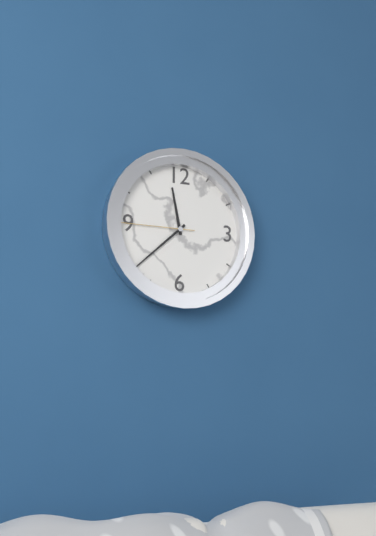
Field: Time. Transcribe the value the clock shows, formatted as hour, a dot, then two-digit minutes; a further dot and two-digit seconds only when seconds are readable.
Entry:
11.38.45
